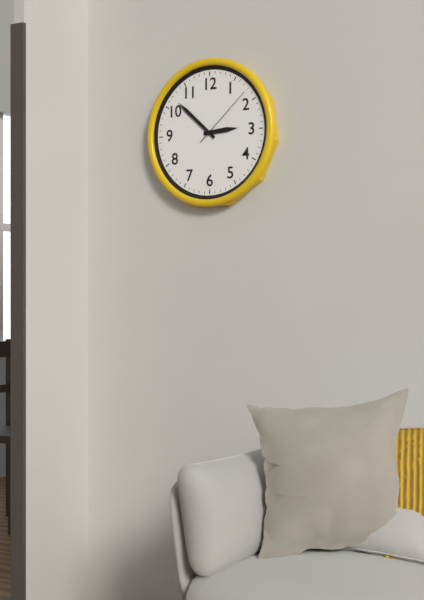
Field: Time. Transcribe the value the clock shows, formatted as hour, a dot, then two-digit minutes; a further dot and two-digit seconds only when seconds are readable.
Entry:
2.52.08
